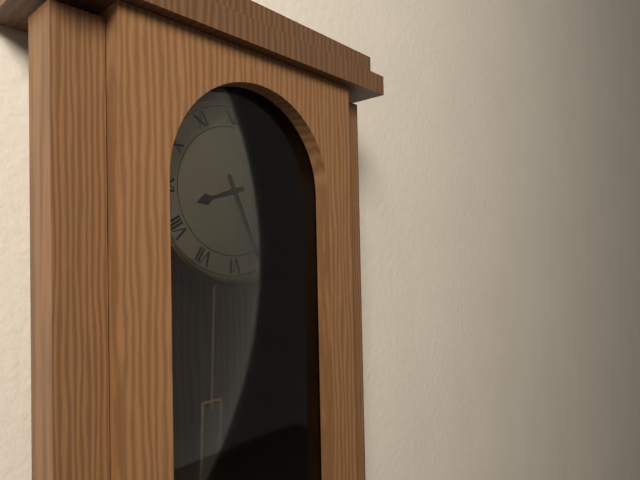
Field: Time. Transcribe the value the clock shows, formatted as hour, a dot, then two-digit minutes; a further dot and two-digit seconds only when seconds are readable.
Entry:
8.26
